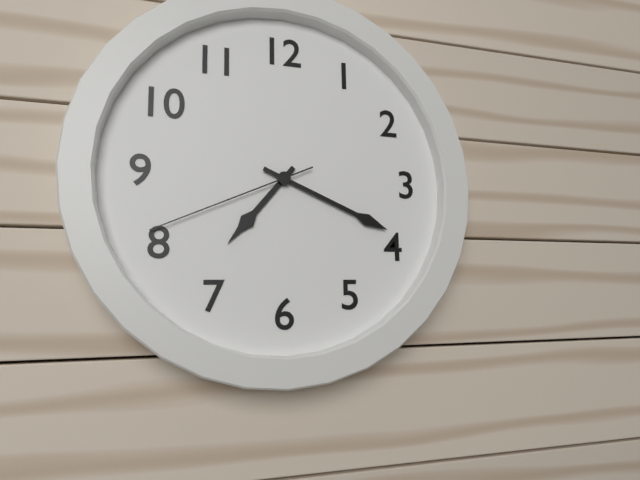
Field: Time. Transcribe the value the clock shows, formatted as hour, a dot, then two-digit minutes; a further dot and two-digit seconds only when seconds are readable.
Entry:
7.19.41
